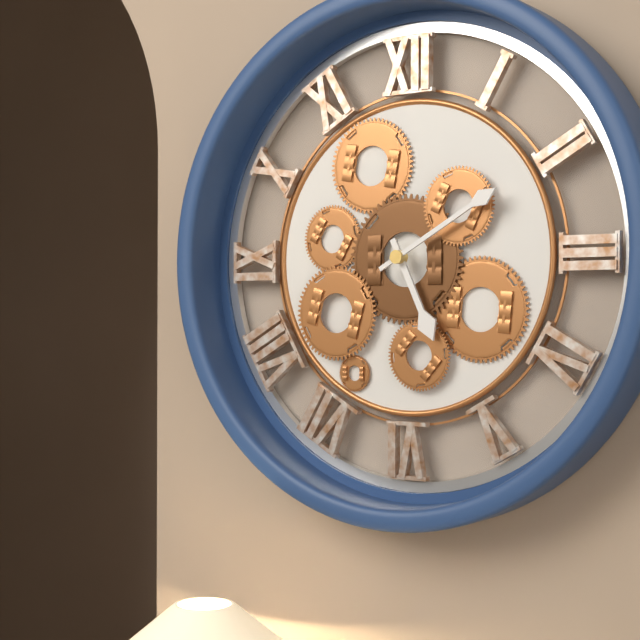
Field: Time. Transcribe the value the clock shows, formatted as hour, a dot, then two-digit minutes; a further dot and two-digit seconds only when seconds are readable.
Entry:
5.10
